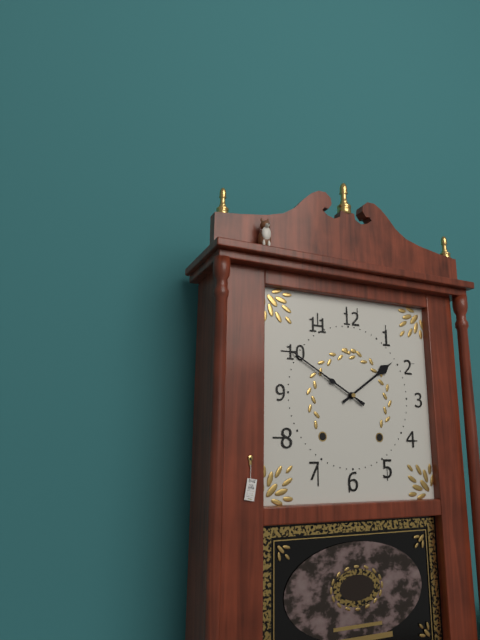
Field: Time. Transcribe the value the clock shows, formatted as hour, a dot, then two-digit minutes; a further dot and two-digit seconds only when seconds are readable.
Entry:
1.50
